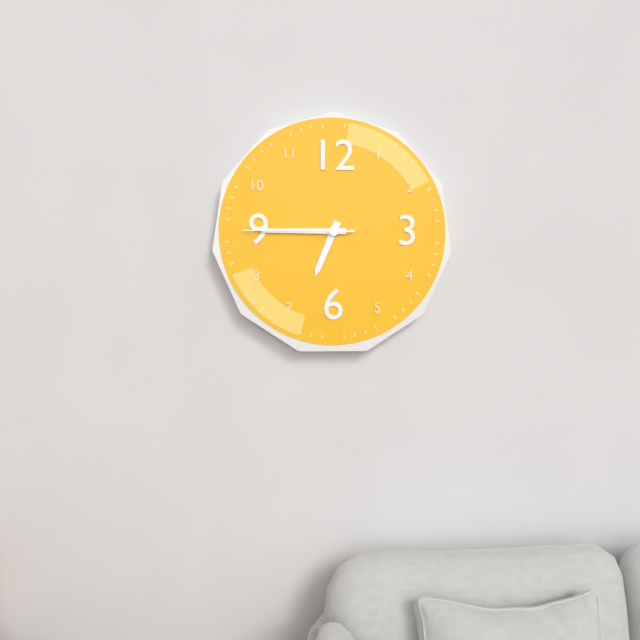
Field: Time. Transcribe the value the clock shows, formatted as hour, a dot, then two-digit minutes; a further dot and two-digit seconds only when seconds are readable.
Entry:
6.45.45
